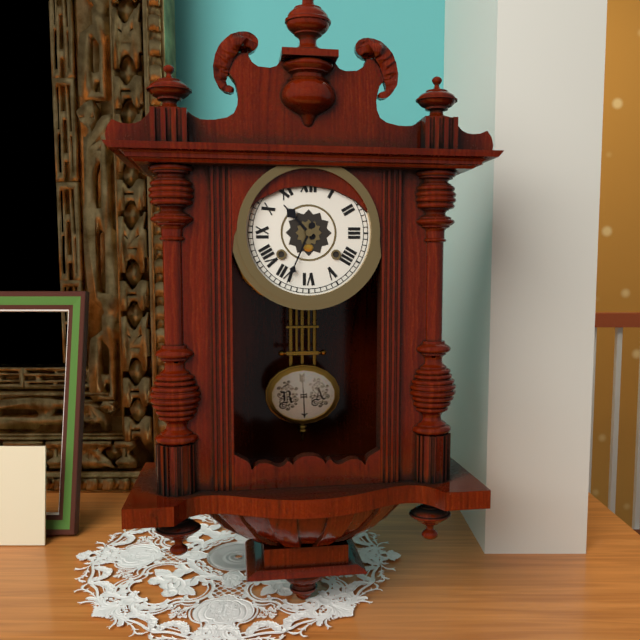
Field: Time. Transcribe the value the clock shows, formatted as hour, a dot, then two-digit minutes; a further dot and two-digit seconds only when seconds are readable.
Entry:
10.34
